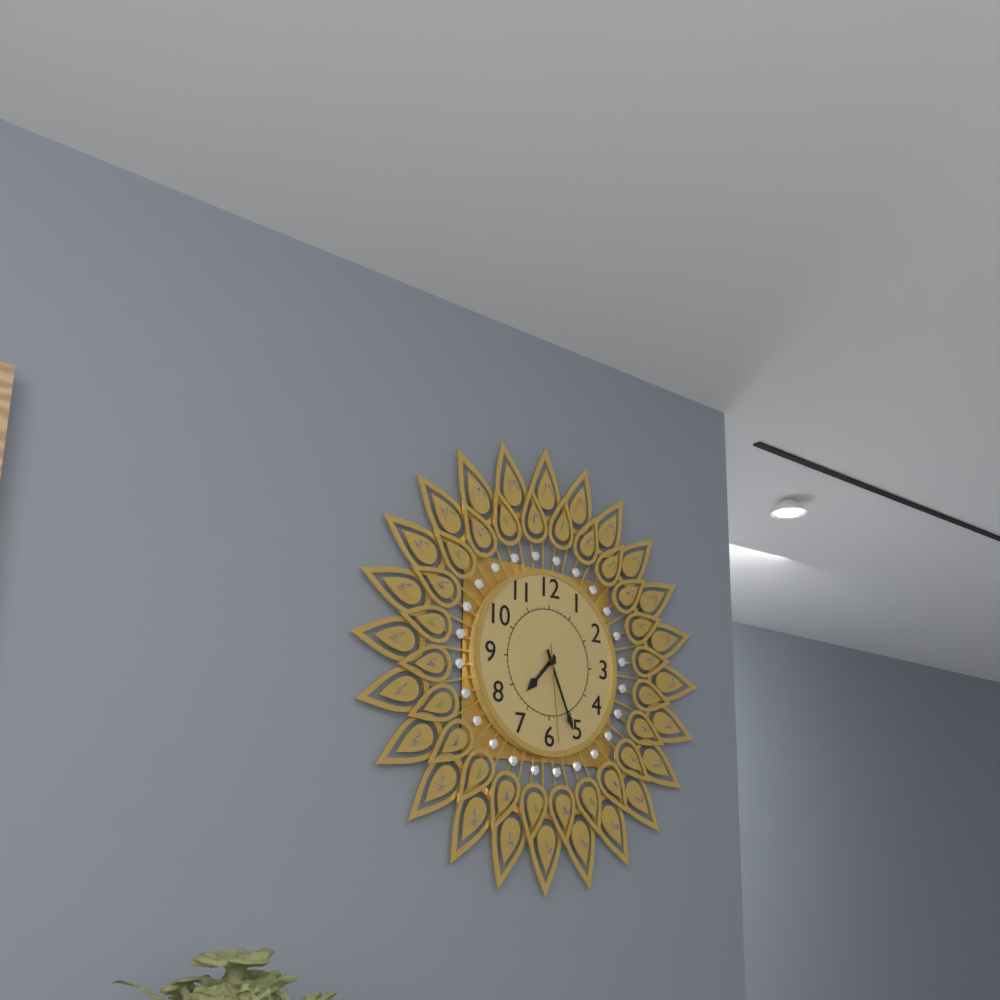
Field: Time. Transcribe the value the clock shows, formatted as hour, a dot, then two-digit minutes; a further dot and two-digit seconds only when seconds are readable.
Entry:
7.26.29
